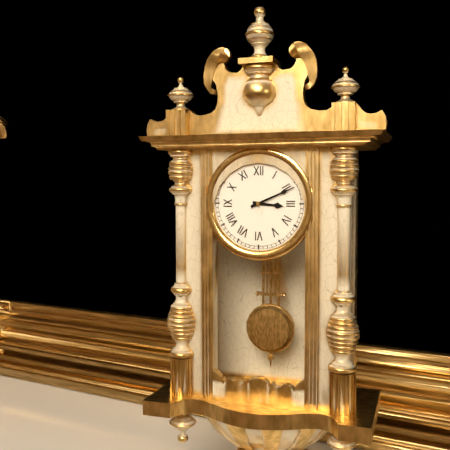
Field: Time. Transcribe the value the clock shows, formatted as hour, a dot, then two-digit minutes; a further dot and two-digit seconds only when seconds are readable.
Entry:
3.11
